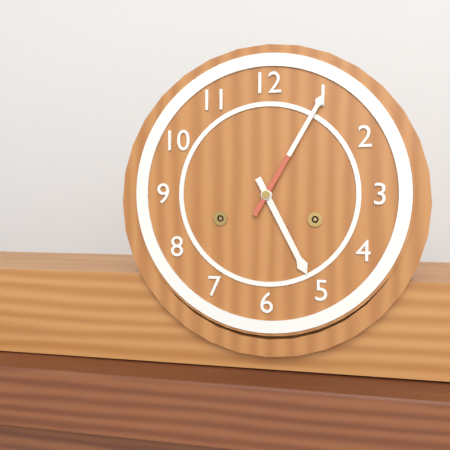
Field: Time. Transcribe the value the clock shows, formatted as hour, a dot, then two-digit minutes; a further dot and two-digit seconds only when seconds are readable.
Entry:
5.05
